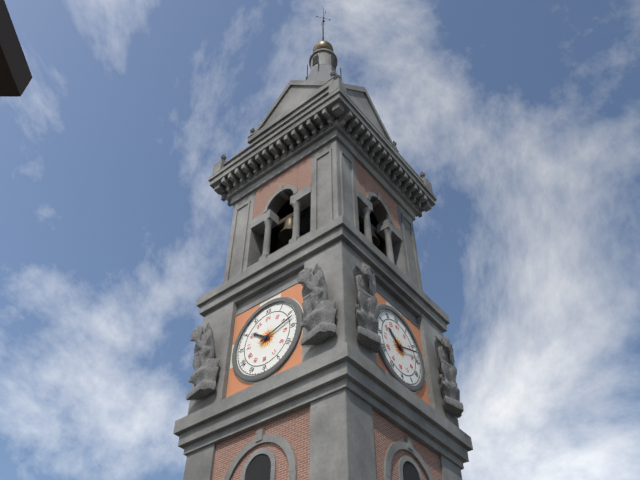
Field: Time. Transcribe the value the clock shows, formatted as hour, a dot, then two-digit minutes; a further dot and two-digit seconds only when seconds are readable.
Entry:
10.12
